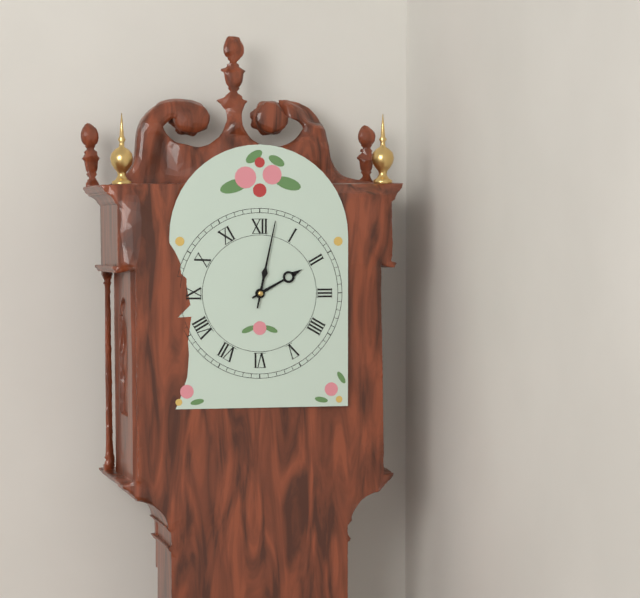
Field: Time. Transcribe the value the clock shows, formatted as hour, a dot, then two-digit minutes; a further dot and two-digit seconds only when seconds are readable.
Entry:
2.02
